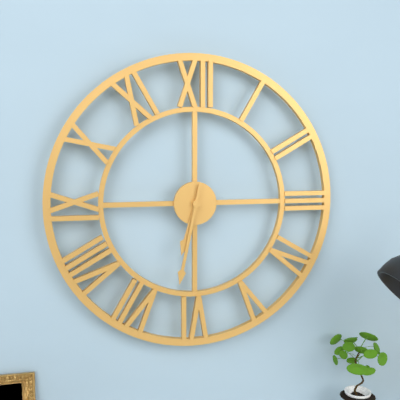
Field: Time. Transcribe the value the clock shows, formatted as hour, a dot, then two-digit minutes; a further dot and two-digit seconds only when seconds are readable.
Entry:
6.32
